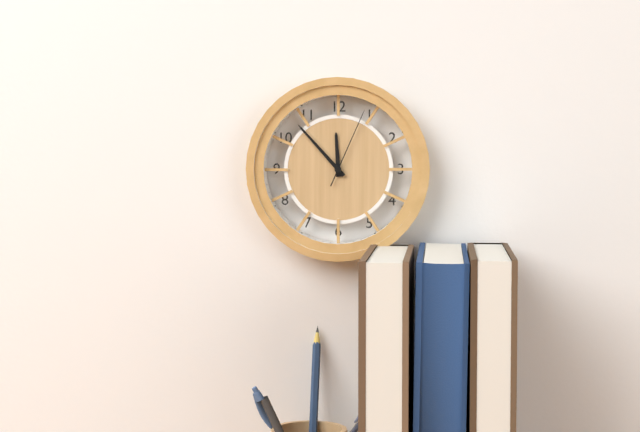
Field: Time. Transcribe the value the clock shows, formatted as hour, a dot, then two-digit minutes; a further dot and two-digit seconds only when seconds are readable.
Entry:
11.53.04
